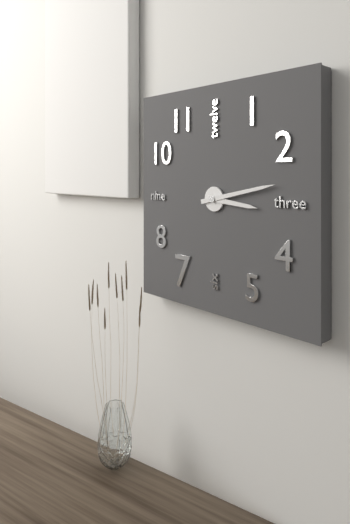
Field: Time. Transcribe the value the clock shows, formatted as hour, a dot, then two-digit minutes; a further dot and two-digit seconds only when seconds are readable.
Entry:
3.13
